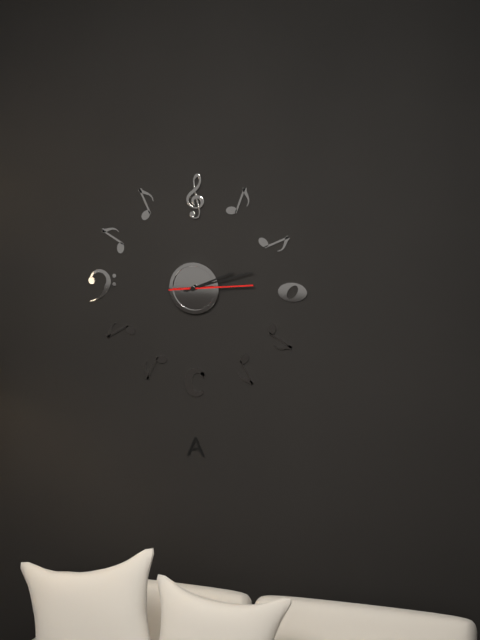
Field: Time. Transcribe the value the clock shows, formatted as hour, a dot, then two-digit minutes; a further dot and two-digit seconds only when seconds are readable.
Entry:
2.12.14
